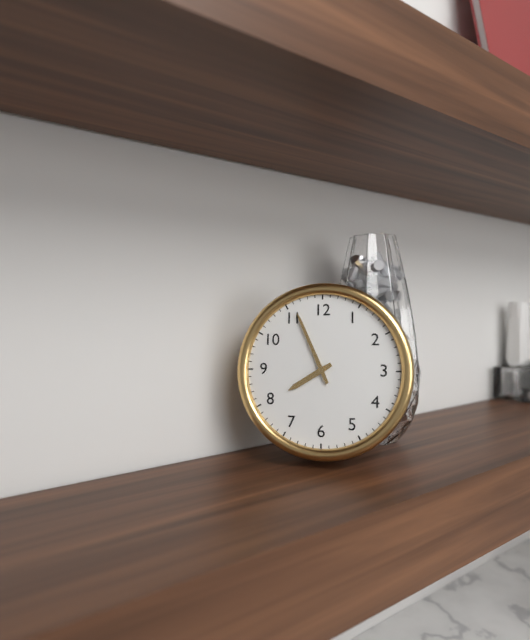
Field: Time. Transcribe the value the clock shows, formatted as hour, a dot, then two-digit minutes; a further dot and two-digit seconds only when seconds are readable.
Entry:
7.56
